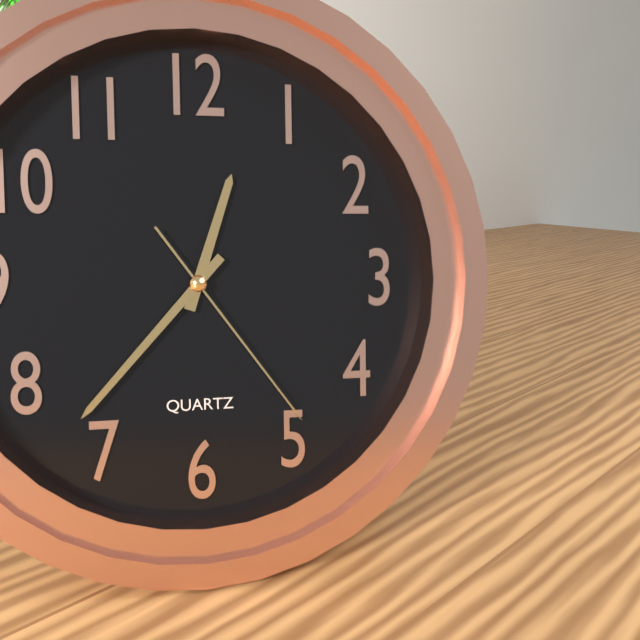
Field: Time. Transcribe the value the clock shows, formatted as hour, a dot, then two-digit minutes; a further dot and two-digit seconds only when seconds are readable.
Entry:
12.37.24
